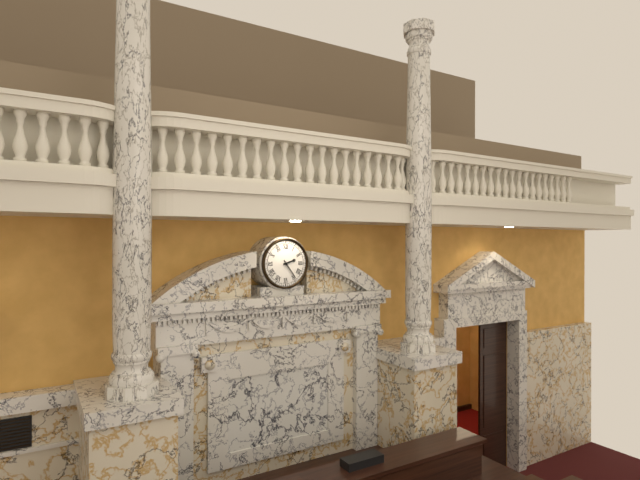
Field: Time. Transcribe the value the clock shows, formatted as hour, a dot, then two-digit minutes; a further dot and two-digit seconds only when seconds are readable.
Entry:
2.24
